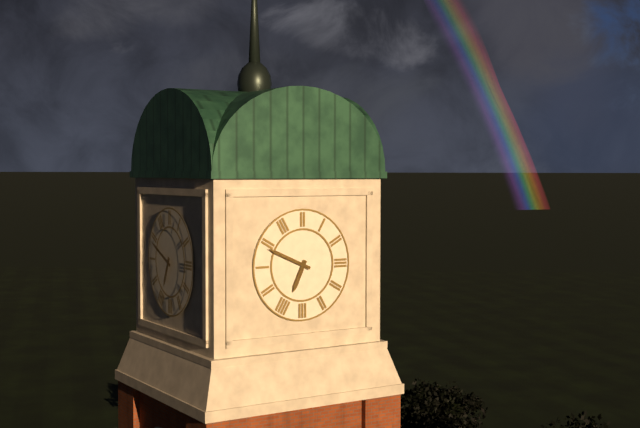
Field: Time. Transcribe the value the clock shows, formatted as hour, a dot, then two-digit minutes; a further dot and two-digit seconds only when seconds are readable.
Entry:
6.49
